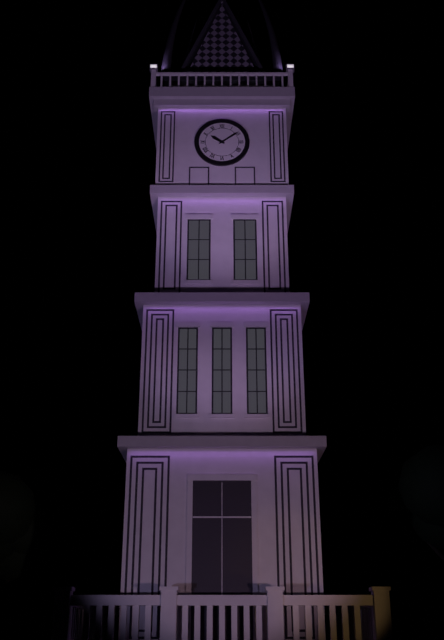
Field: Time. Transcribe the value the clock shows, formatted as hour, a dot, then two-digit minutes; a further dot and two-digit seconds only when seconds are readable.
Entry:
10.09
